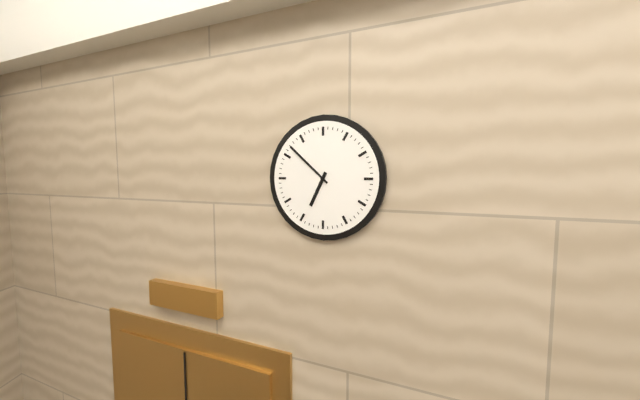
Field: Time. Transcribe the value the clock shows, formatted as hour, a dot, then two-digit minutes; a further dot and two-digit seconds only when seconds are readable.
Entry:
6.52
